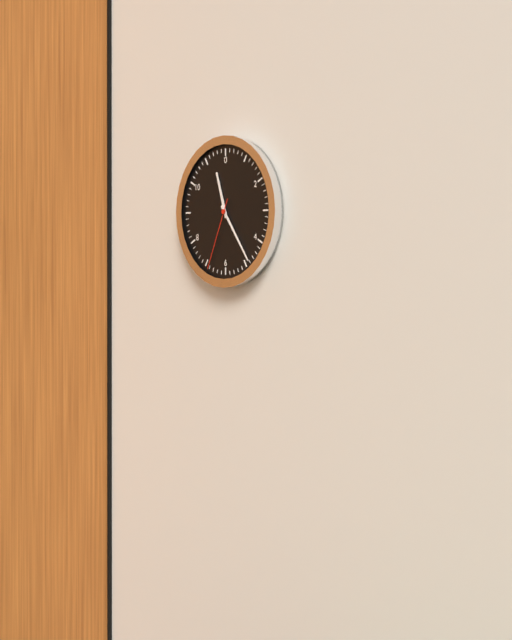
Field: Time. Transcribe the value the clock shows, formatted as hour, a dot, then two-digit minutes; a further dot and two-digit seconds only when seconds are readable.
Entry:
11.24.34
